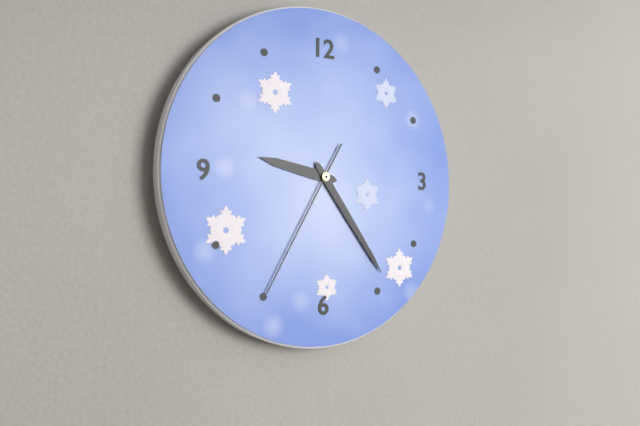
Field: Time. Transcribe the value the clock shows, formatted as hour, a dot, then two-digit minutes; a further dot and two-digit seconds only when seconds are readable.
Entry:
9.24.35
